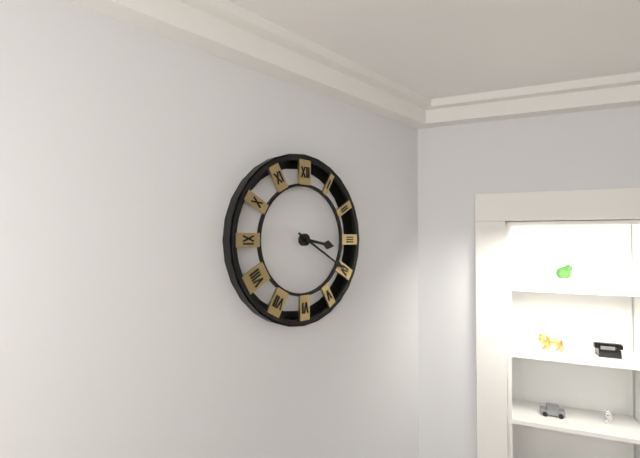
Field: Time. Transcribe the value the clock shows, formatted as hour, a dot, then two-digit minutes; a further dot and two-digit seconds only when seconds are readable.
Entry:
3.20
